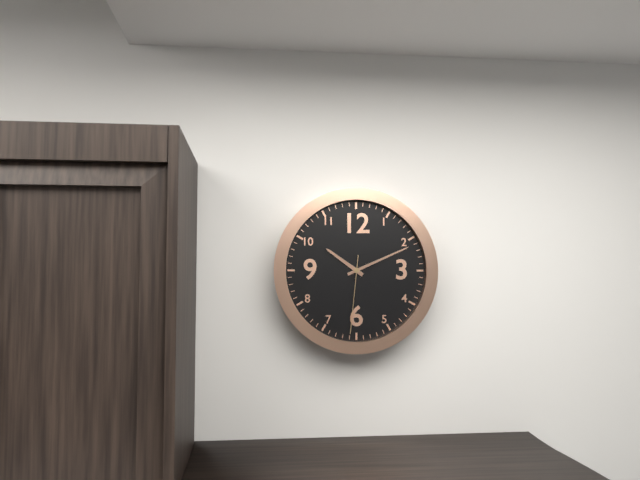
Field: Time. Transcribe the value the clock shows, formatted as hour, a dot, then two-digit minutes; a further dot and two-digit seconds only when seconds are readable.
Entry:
10.11.31
